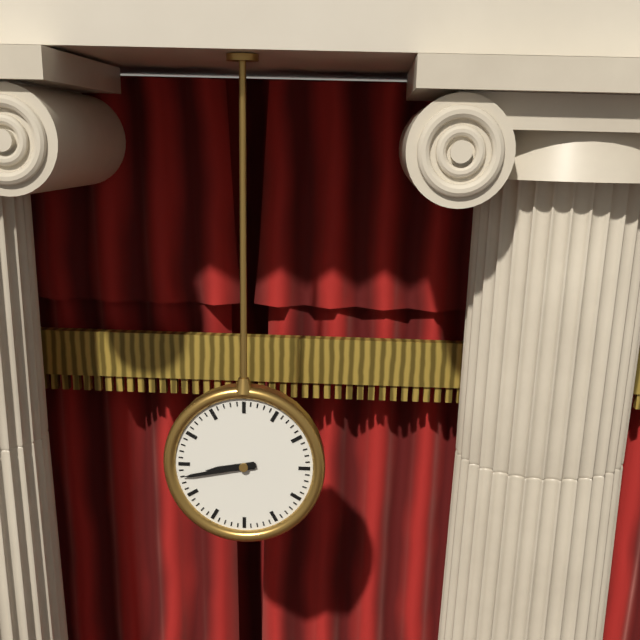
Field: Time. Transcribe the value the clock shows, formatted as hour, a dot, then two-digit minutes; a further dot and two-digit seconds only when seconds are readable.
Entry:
8.43
